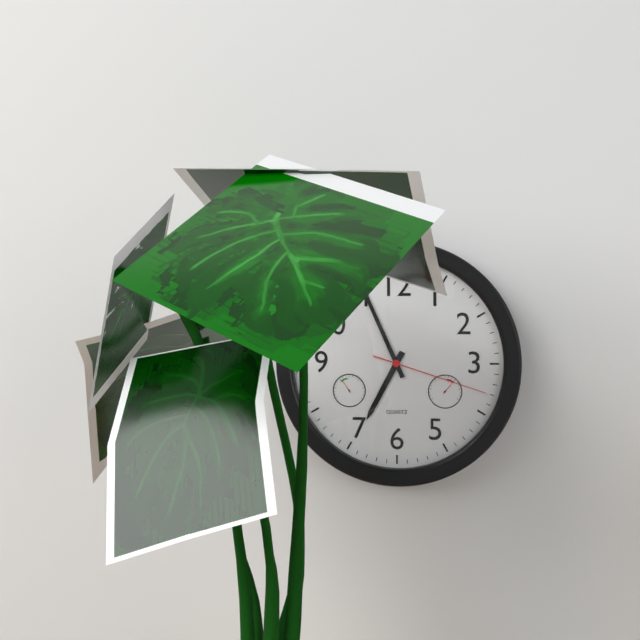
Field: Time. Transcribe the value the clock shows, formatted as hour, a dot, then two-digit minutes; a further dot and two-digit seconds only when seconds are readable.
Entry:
6.56.18
